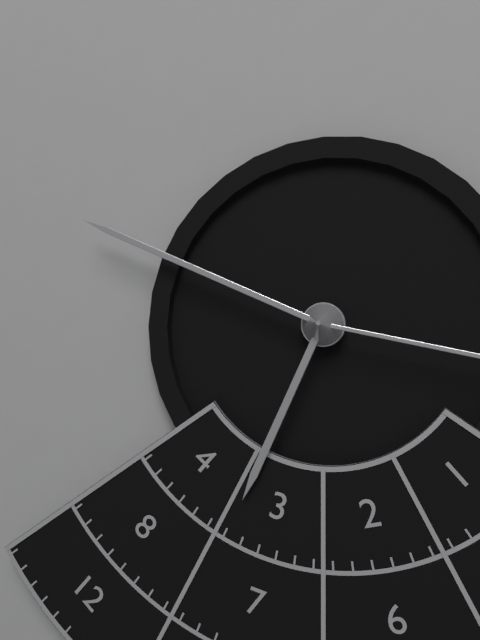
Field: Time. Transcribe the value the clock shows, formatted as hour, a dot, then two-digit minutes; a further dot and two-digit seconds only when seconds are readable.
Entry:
6.49
